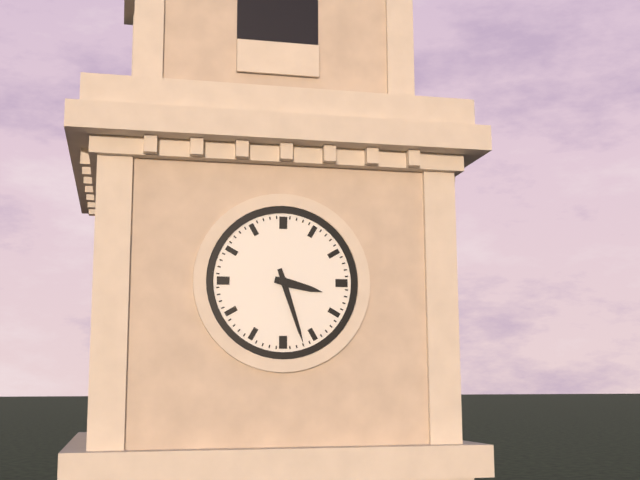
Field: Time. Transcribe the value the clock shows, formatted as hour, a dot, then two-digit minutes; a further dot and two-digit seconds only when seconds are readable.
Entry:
3.27
